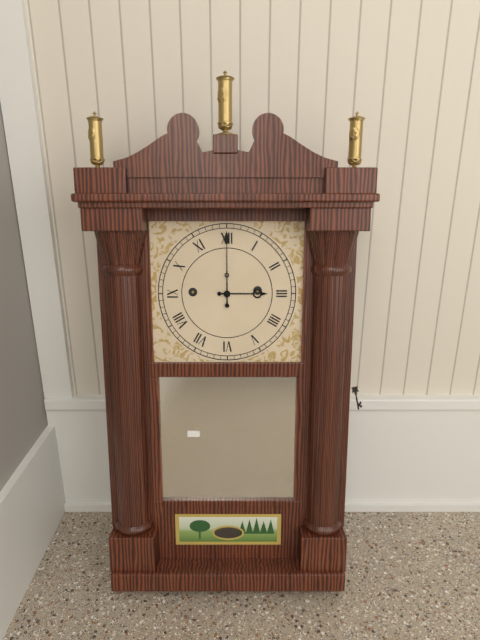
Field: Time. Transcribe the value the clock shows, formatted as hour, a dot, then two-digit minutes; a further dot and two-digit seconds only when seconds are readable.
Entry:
3.00
